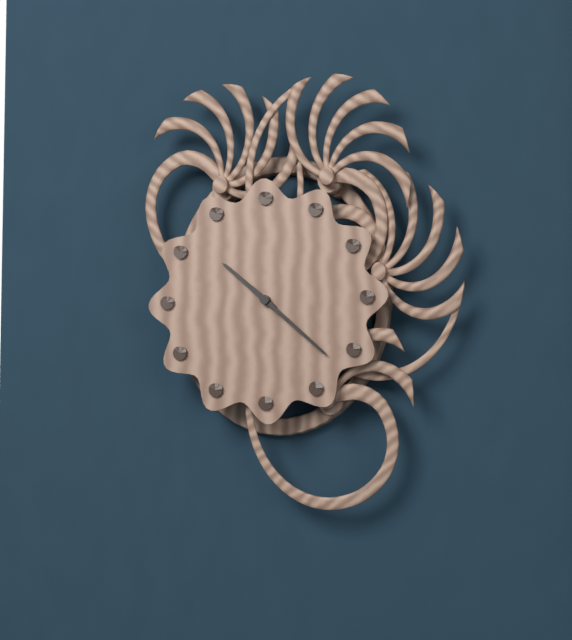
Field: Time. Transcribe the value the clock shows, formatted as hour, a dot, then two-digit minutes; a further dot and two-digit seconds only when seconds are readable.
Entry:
10.22
